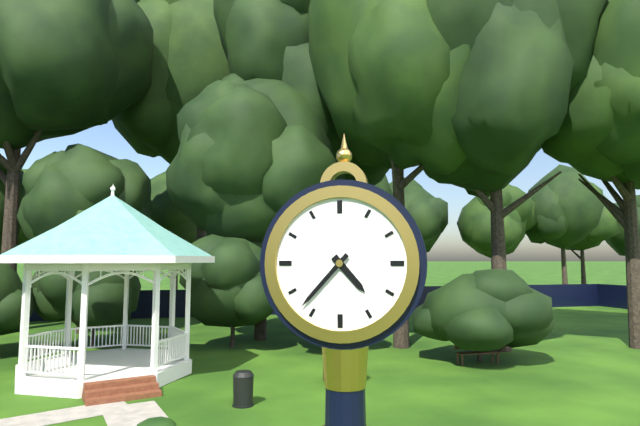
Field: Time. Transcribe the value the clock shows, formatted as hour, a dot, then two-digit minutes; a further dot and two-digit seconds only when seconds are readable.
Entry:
4.37
